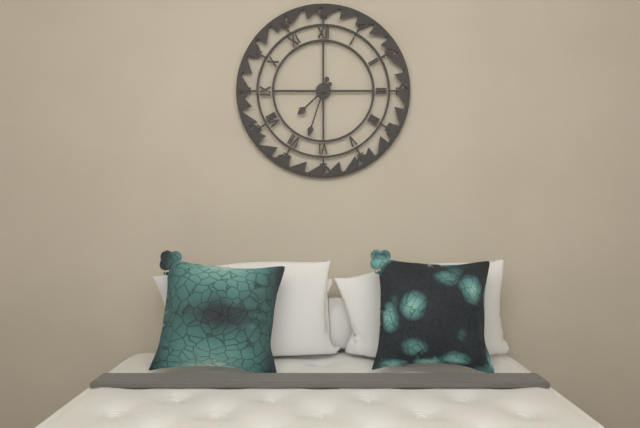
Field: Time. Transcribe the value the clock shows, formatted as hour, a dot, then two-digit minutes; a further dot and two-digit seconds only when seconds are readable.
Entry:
7.33
